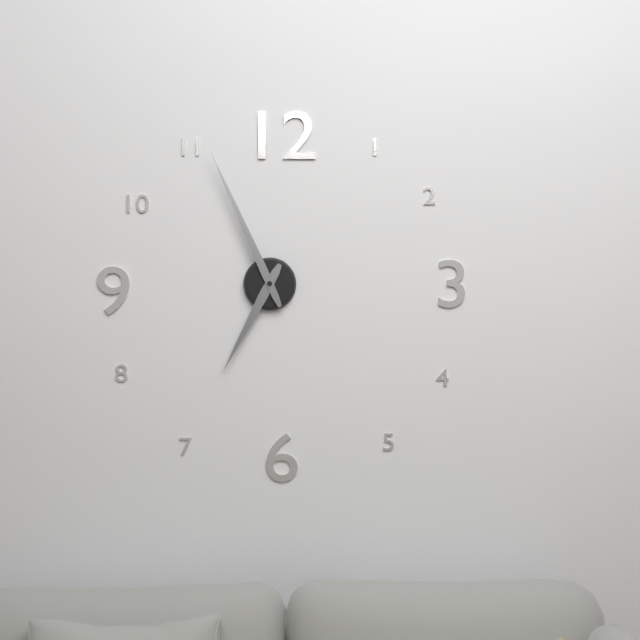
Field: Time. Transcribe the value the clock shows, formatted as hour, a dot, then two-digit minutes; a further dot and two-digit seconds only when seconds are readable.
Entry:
6.56
